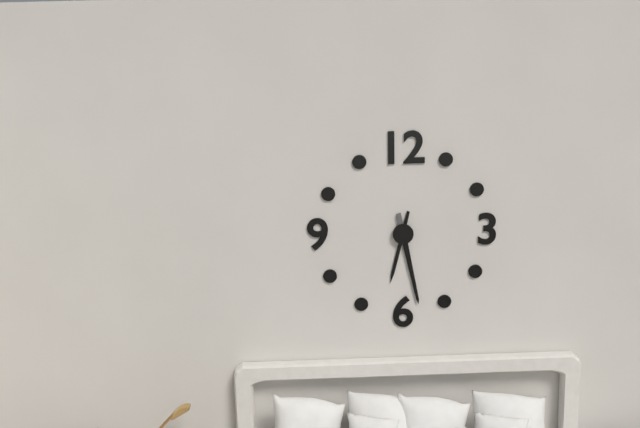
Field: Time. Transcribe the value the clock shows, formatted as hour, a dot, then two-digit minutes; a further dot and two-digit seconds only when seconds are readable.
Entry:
6.28
